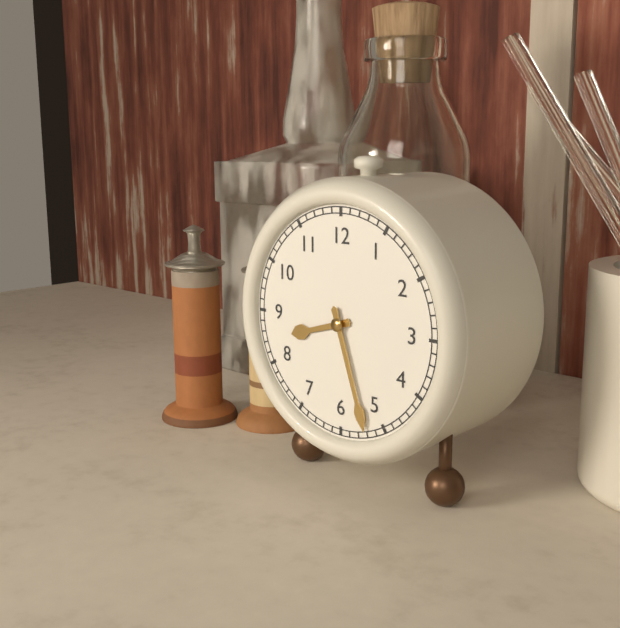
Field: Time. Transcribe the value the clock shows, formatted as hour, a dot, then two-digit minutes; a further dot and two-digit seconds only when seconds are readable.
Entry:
8.27
